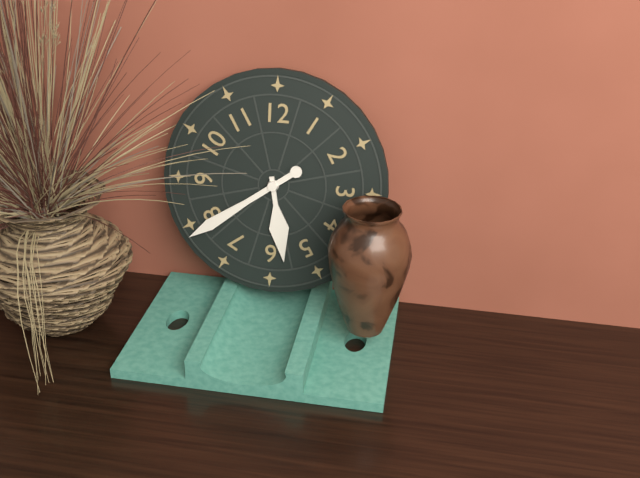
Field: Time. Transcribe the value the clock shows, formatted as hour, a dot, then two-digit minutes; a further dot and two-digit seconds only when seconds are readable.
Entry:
5.39
